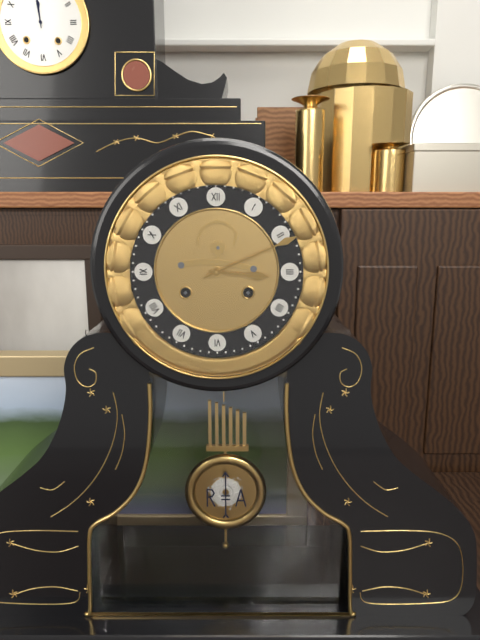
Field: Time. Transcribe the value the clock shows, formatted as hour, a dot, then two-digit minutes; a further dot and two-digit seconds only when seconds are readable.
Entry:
3.11
